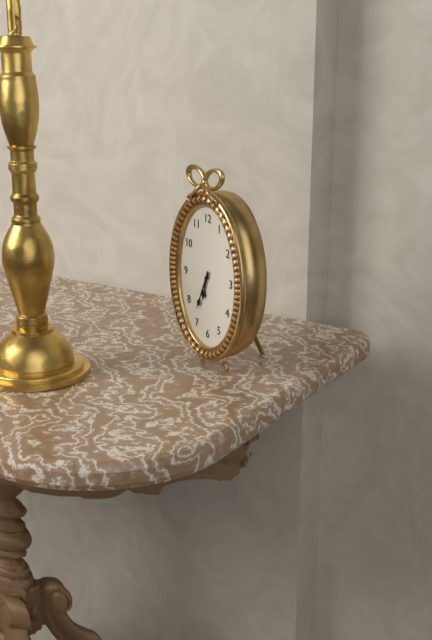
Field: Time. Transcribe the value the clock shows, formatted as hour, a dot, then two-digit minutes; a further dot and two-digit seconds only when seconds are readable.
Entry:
6.34
